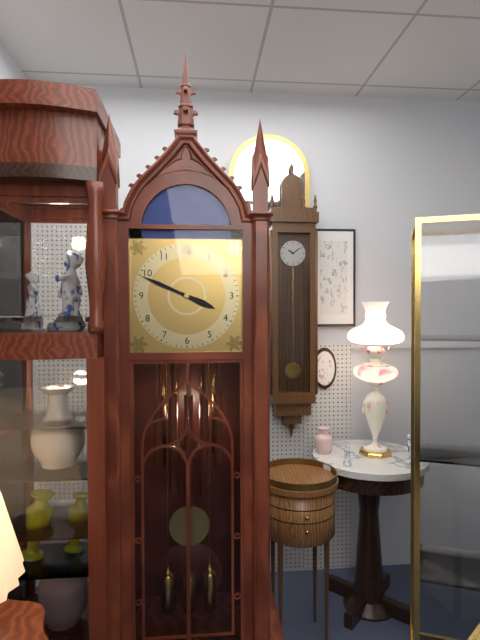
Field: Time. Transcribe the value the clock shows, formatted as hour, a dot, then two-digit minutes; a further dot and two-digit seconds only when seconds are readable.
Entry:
3.49
